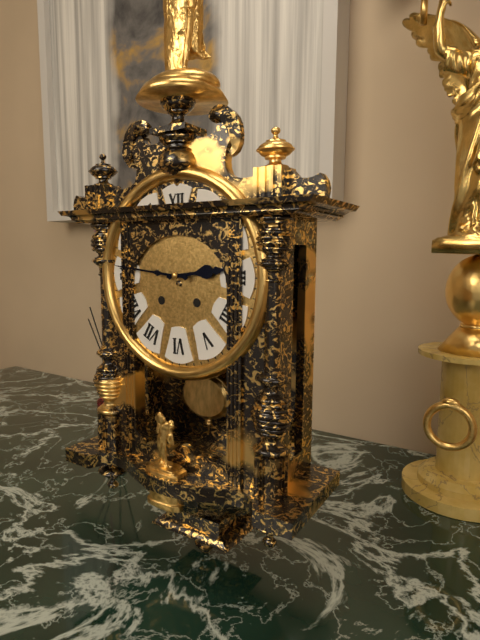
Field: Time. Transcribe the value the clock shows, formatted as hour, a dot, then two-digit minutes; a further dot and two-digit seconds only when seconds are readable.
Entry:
2.46
